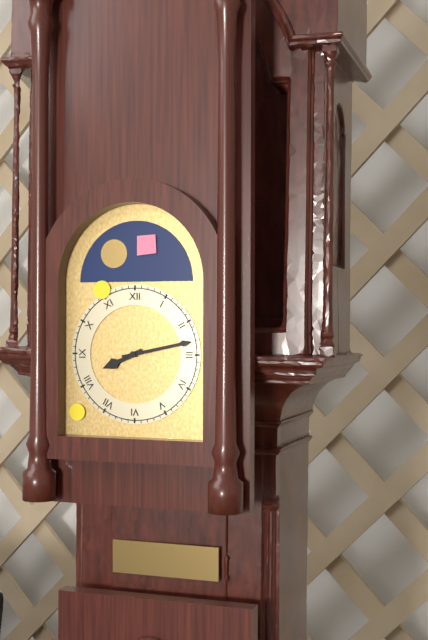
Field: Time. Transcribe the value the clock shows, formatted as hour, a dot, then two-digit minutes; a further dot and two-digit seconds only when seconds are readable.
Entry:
8.13
